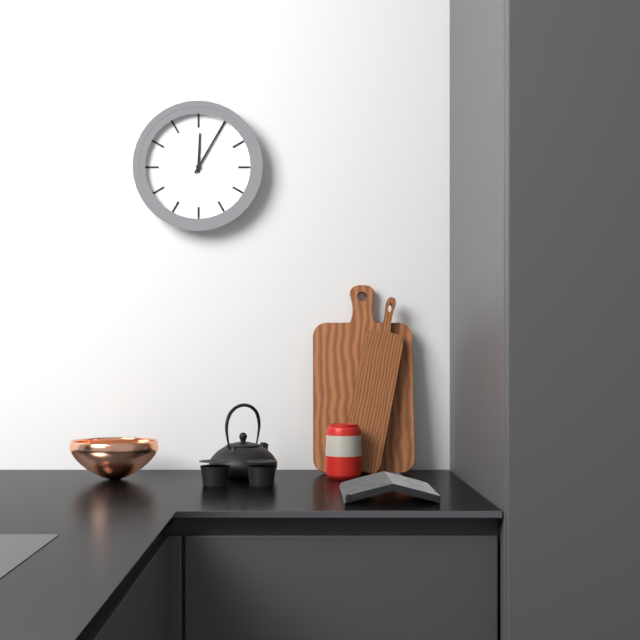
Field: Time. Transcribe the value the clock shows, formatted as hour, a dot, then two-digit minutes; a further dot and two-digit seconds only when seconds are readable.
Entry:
12.05
